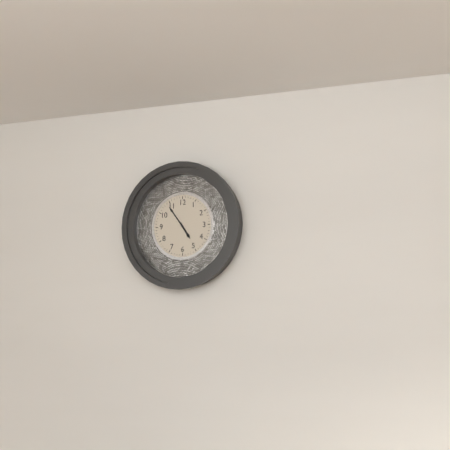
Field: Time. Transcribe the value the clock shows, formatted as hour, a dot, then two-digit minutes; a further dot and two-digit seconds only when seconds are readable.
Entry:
4.54
